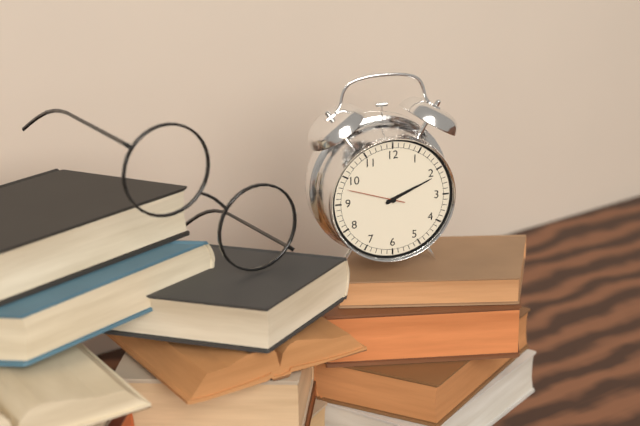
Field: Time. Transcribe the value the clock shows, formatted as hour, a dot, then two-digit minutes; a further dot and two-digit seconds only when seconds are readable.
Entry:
2.11.48
